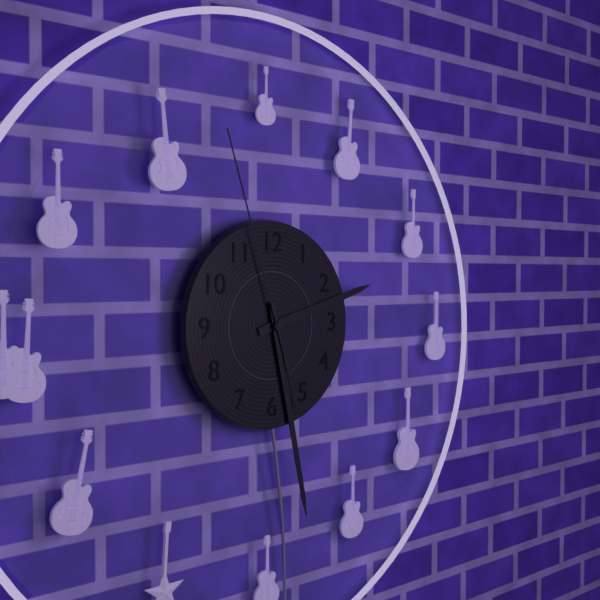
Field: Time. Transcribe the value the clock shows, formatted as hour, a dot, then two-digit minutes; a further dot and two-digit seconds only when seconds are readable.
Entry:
2.28.57
